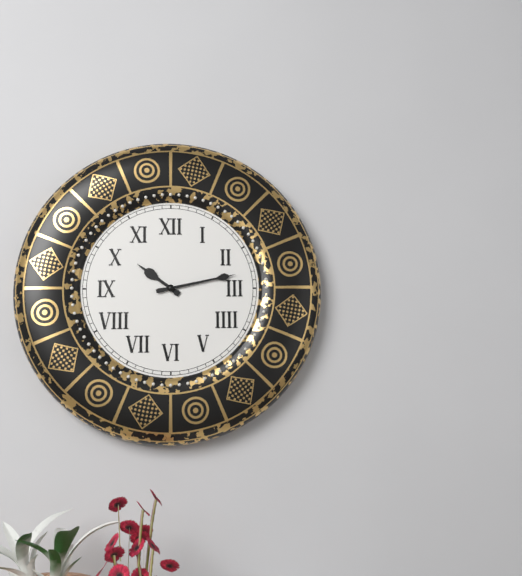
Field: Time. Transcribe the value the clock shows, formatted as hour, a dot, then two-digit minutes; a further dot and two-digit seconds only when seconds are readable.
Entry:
10.13
